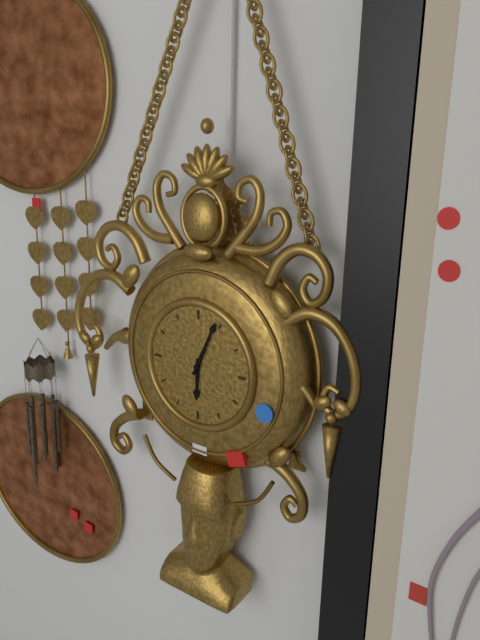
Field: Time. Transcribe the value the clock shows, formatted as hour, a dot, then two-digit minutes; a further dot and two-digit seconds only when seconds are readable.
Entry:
6.04
